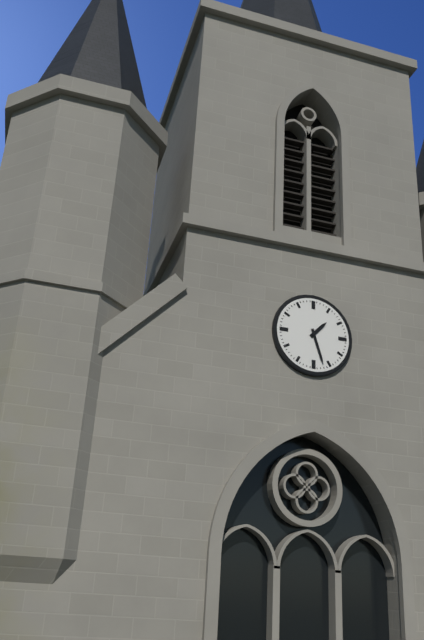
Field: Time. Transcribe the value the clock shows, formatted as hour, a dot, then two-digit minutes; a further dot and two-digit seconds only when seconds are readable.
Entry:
1.27
